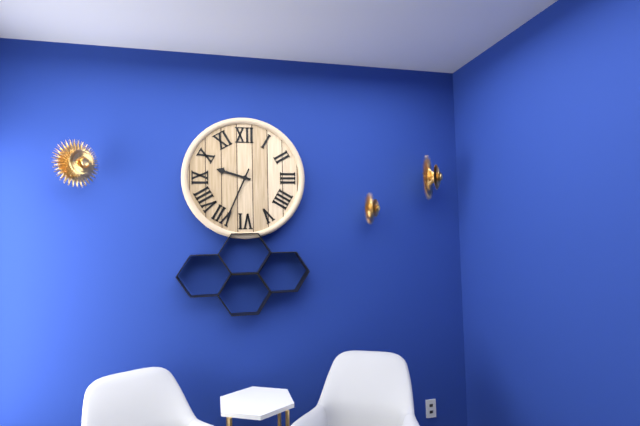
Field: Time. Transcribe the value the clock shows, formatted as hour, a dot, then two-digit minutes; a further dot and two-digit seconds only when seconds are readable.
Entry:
9.34
